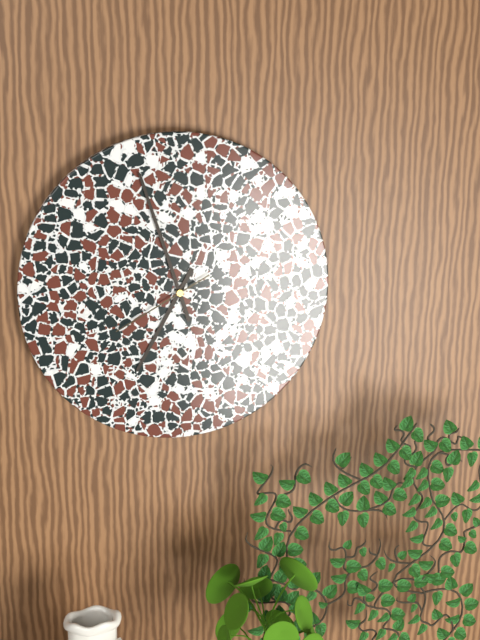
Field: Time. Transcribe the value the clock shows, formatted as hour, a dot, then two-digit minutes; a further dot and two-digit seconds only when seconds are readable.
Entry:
6.57.40
